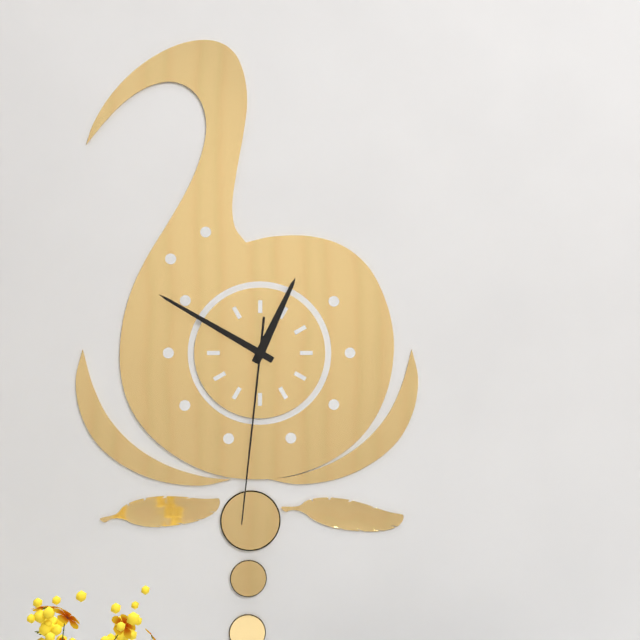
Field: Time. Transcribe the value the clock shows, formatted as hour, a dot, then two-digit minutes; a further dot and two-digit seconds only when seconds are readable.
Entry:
12.50.31
